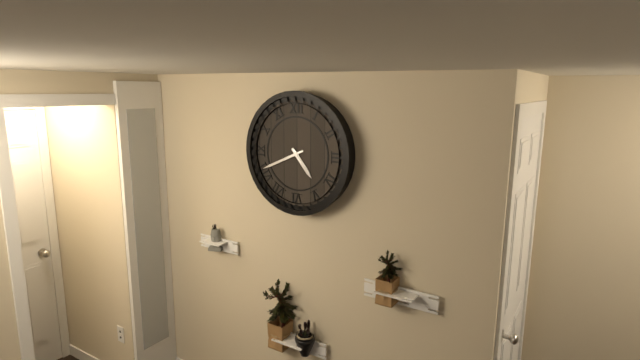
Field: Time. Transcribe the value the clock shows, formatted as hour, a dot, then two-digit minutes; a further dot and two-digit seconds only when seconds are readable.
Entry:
4.41
